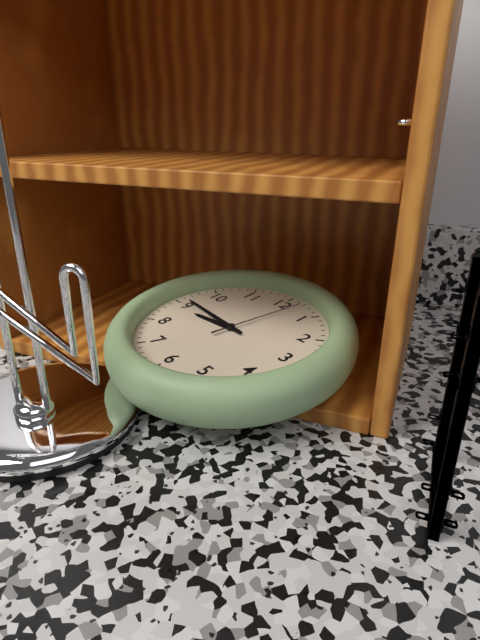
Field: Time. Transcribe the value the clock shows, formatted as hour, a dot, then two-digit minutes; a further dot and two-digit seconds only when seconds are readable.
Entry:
8.46.02
